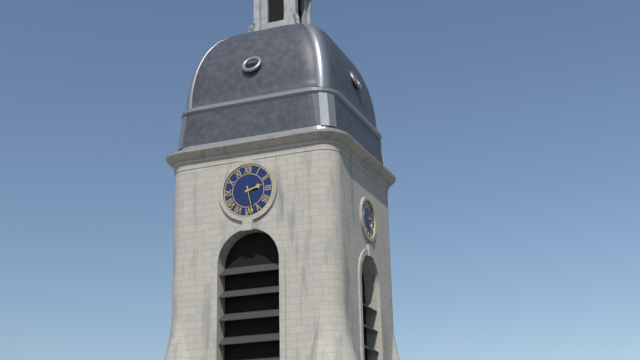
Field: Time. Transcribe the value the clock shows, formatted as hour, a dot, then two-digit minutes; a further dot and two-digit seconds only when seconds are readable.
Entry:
2.28
